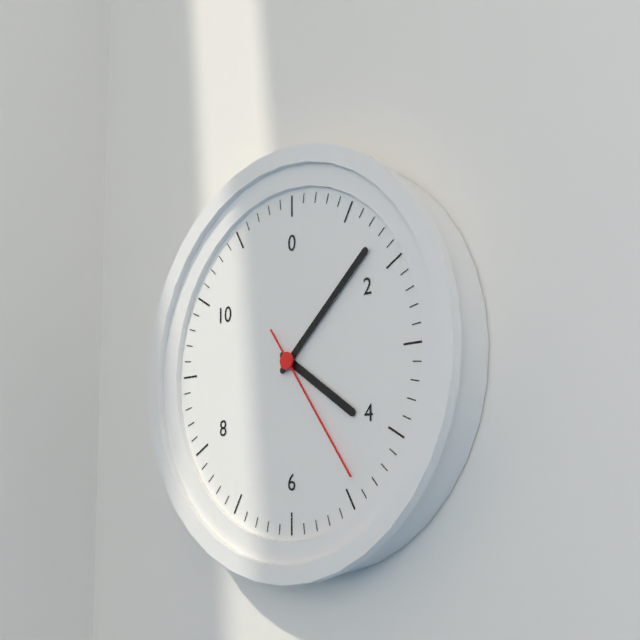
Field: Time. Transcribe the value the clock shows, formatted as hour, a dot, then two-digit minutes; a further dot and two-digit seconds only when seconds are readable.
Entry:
4.08.24
